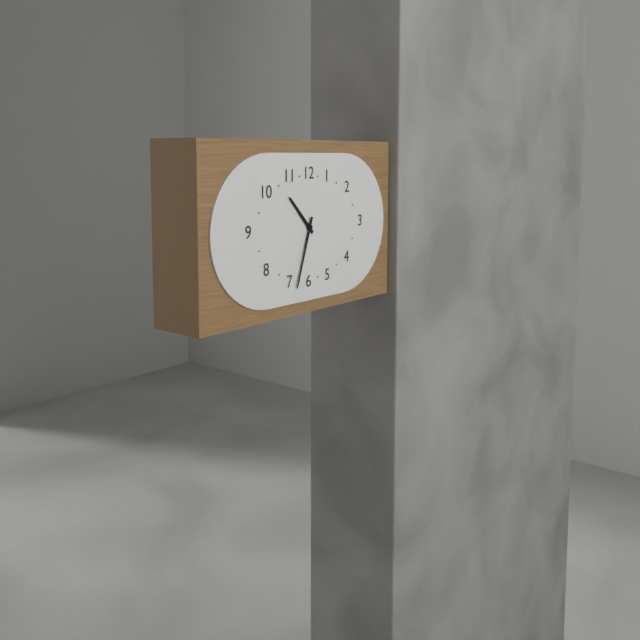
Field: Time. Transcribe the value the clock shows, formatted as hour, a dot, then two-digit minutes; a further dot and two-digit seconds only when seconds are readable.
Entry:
10.33
